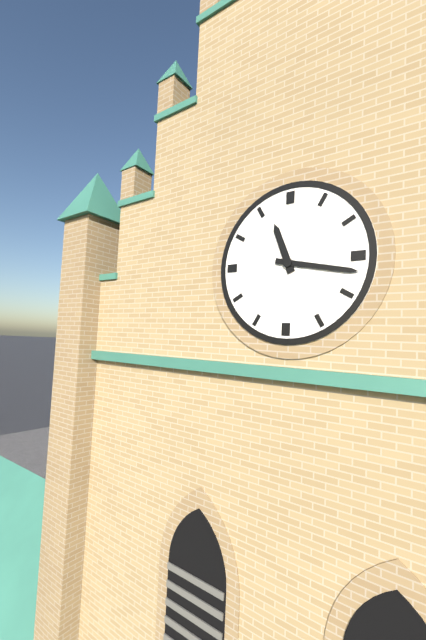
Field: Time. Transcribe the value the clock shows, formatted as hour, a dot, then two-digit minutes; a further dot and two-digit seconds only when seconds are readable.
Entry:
11.17
